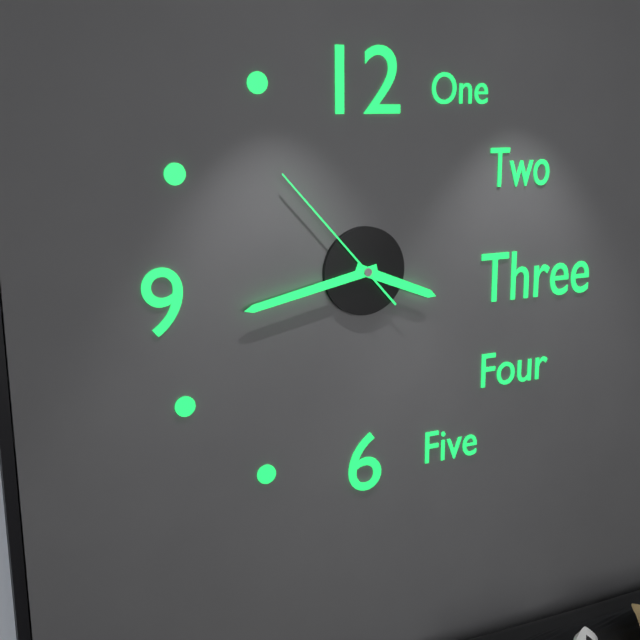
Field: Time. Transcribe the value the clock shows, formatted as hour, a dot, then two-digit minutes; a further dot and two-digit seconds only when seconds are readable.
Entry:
3.43.53
